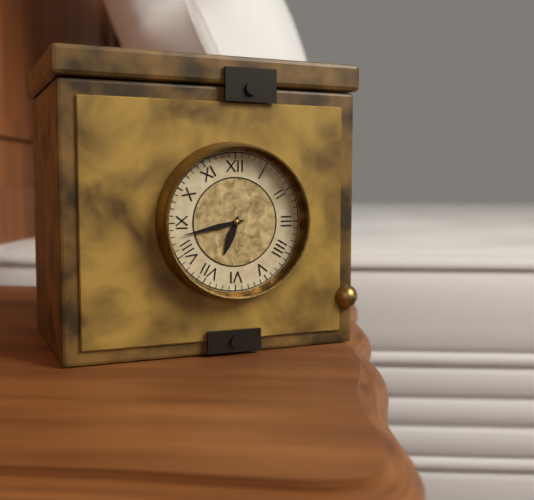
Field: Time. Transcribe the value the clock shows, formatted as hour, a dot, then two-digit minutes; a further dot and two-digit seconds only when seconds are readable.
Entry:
6.43
